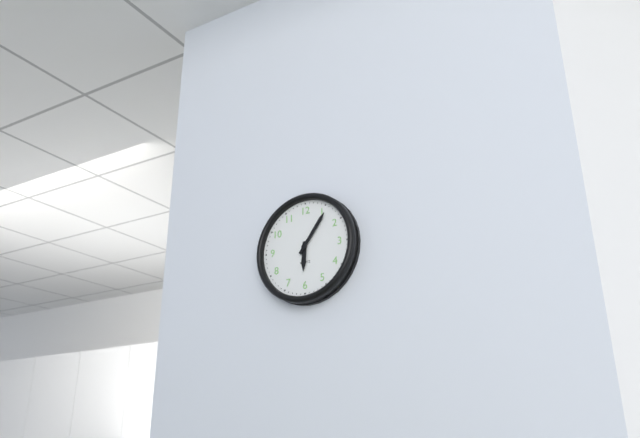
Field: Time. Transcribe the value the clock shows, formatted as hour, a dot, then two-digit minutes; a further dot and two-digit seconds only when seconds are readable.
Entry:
6.06
